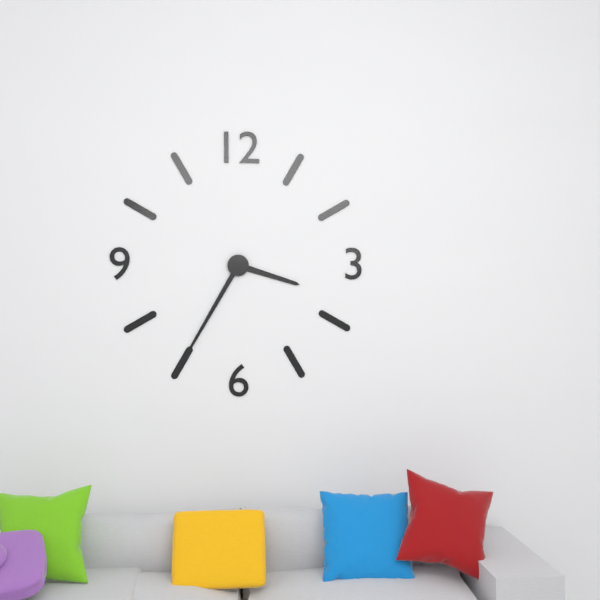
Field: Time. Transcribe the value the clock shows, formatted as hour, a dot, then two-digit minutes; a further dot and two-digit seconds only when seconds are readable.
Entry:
3.35
